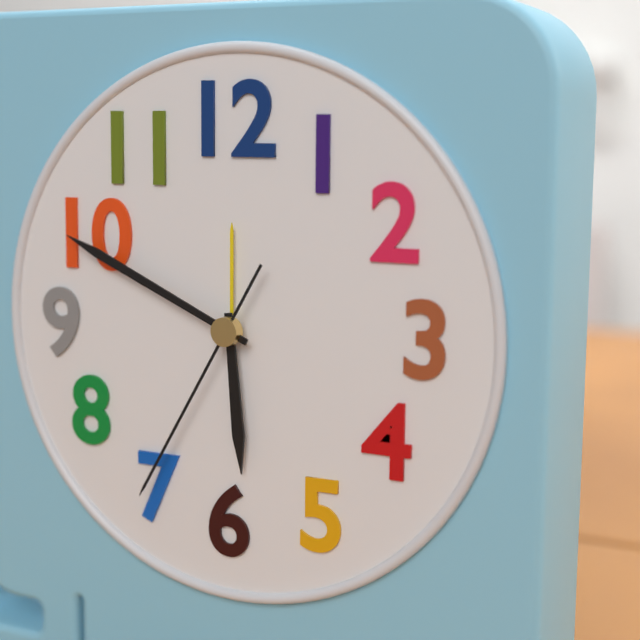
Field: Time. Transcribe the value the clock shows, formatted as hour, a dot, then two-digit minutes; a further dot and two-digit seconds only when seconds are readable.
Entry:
5.49.35
